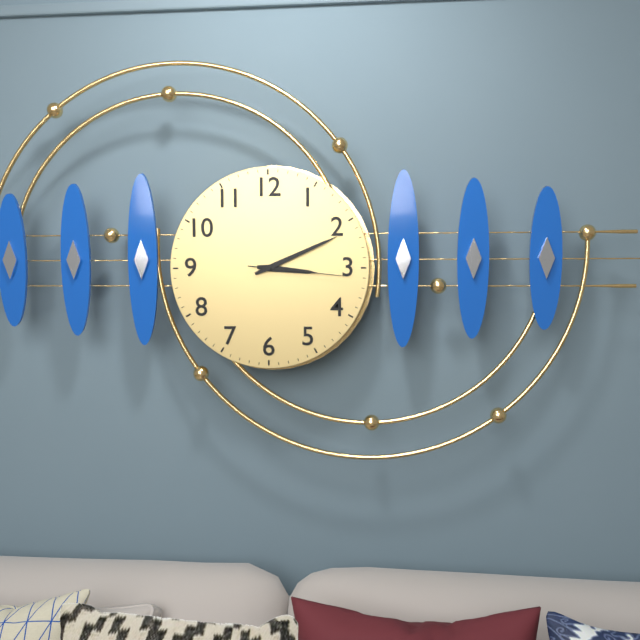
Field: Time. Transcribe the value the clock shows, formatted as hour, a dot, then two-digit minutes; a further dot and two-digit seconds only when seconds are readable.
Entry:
3.11.16
